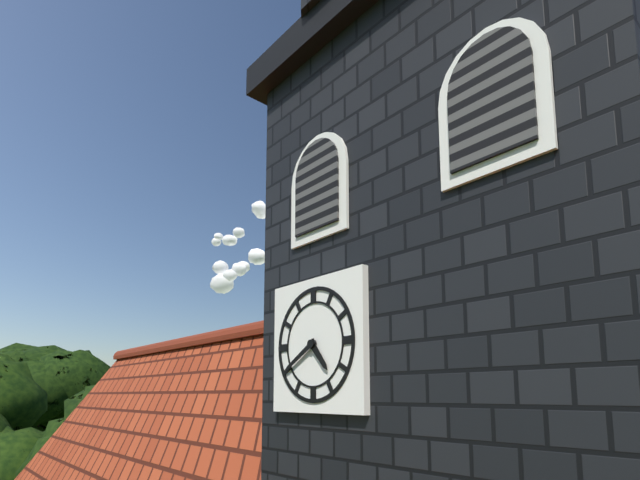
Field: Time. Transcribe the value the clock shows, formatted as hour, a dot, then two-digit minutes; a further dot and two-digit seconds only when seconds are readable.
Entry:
4.40
